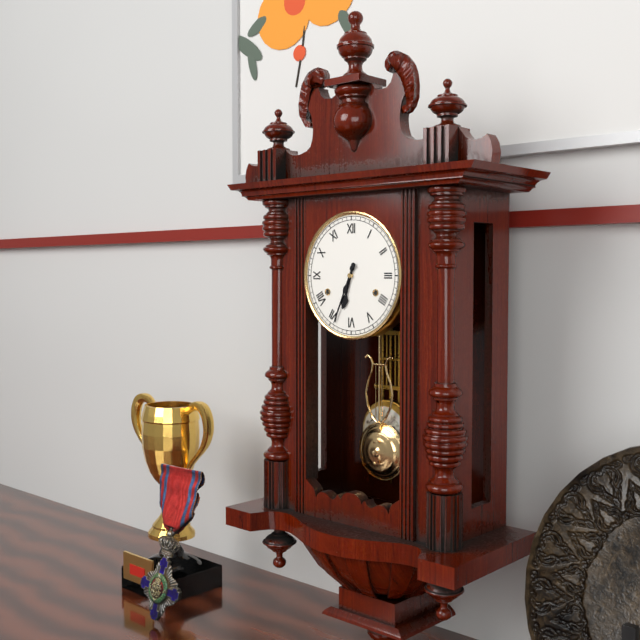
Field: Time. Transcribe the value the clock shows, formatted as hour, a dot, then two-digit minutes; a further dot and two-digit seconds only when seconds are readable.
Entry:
6.34
